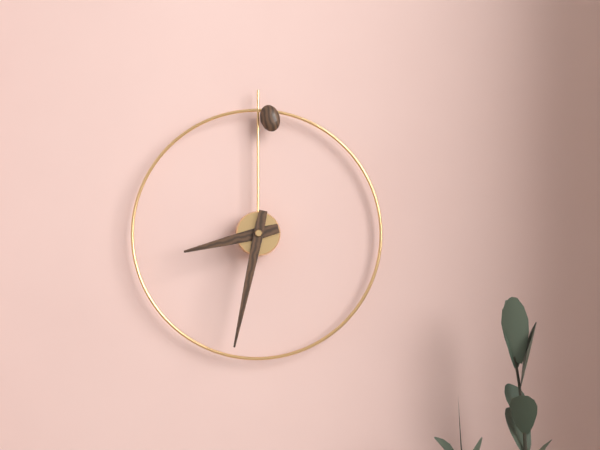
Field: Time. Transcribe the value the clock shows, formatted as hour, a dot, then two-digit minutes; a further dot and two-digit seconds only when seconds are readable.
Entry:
8.32
